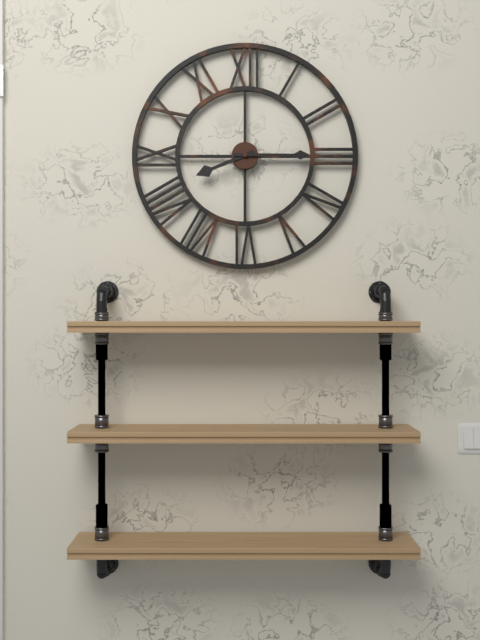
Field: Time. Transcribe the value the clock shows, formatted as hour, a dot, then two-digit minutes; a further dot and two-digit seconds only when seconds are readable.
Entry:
8.15
